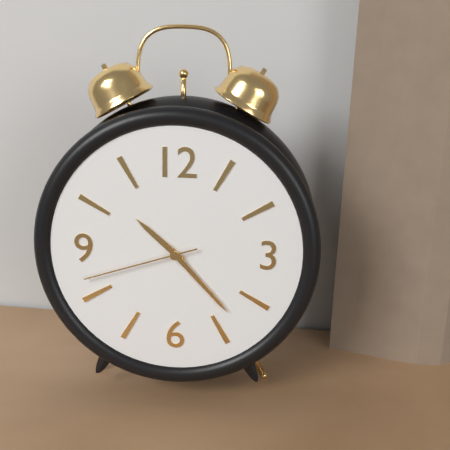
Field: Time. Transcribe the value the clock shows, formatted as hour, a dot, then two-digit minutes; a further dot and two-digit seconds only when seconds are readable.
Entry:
10.23.42
